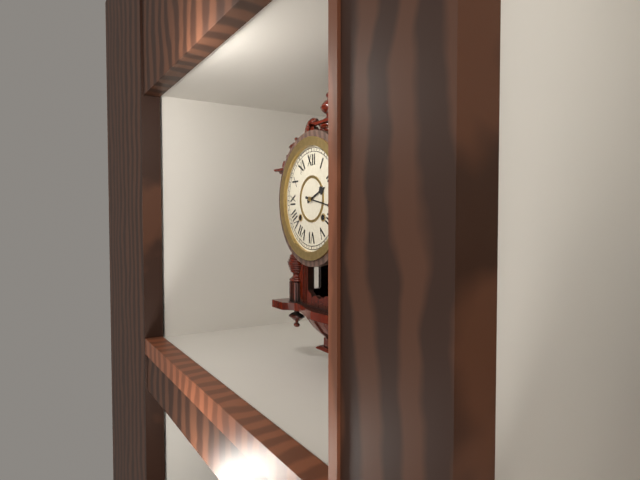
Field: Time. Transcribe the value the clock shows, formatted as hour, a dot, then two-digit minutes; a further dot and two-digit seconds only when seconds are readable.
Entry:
2.17
